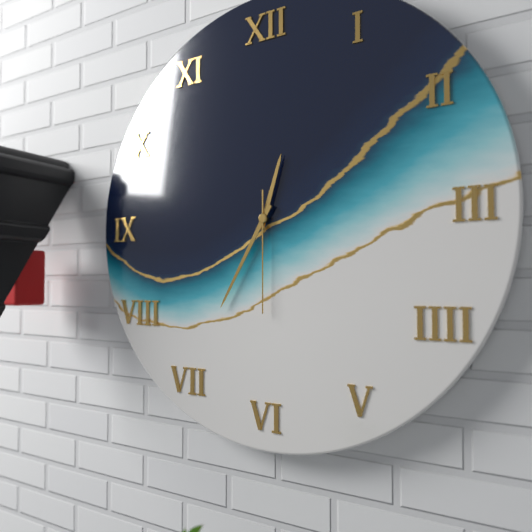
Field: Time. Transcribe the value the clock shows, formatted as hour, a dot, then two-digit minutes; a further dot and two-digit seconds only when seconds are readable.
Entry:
12.35.30
